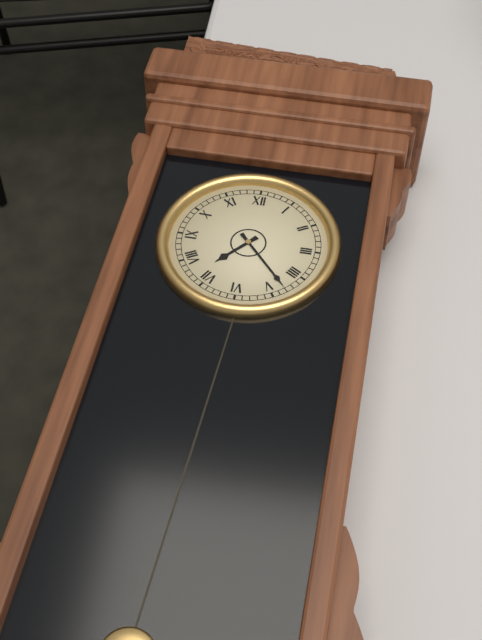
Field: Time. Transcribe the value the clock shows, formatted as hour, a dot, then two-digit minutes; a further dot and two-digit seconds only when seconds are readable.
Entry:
7.23
